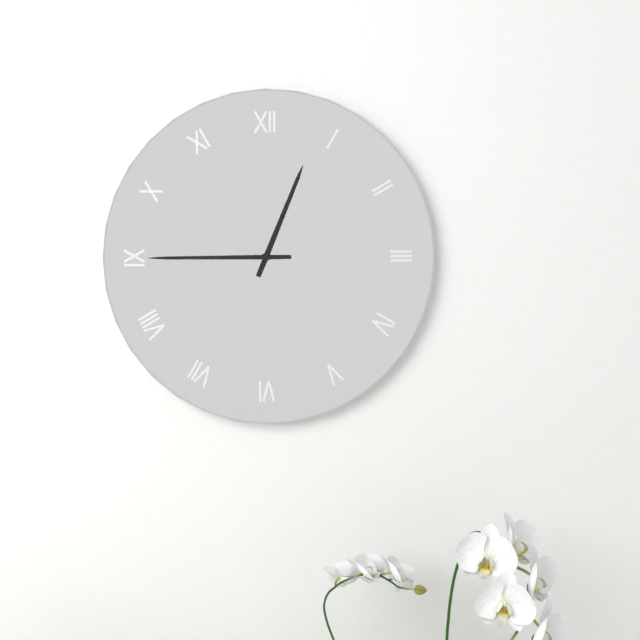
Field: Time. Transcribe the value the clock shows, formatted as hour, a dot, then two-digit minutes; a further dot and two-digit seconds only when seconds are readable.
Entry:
12.45
